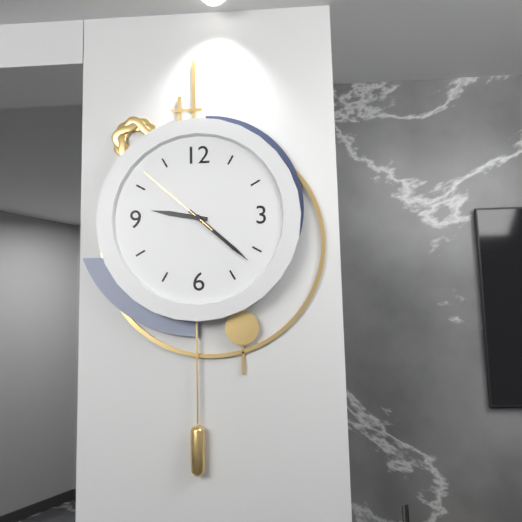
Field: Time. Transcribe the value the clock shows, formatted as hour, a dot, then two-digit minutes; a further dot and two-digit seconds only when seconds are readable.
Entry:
9.22.52
